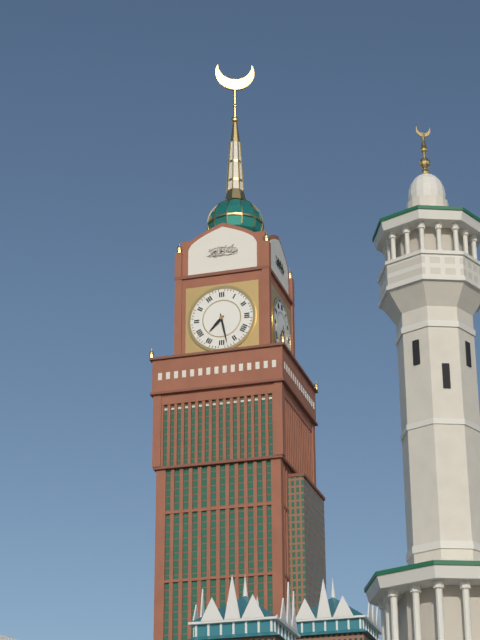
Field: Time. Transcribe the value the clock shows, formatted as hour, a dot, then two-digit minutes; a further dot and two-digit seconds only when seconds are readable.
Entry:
7.28
